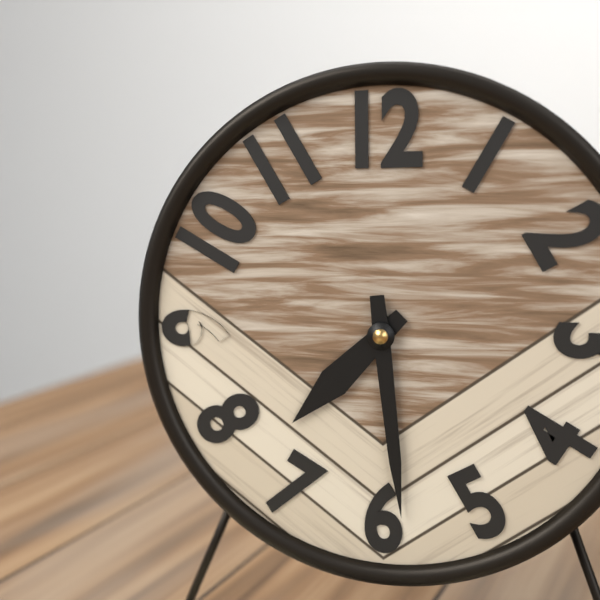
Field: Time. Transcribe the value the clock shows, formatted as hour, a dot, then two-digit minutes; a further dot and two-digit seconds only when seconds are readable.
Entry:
7.29
